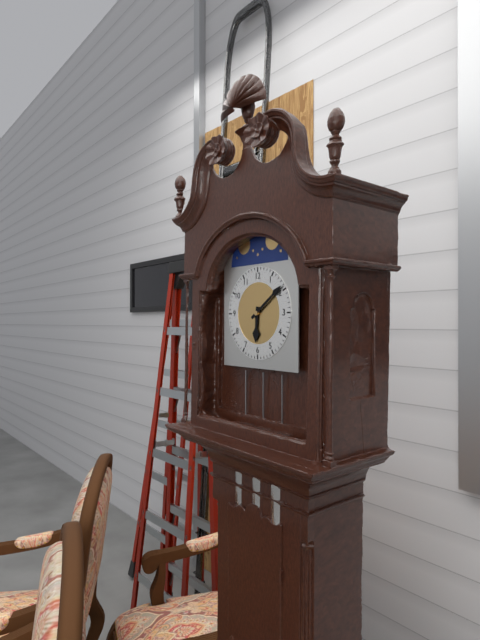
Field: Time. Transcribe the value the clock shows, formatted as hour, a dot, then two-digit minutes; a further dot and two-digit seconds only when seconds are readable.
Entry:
6.09
